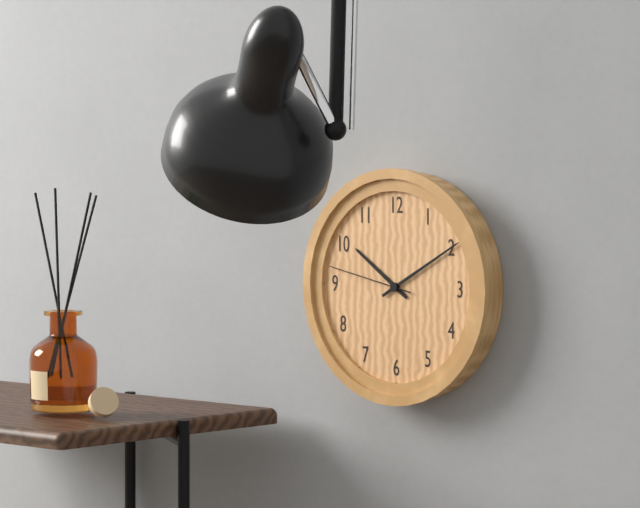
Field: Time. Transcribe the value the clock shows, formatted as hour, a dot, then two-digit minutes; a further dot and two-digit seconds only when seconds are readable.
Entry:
10.10.47
